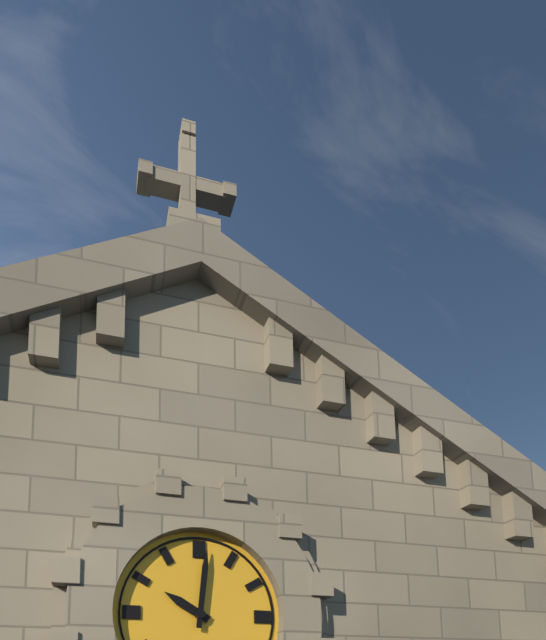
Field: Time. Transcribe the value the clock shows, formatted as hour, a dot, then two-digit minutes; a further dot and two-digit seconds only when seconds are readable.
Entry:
10.01
